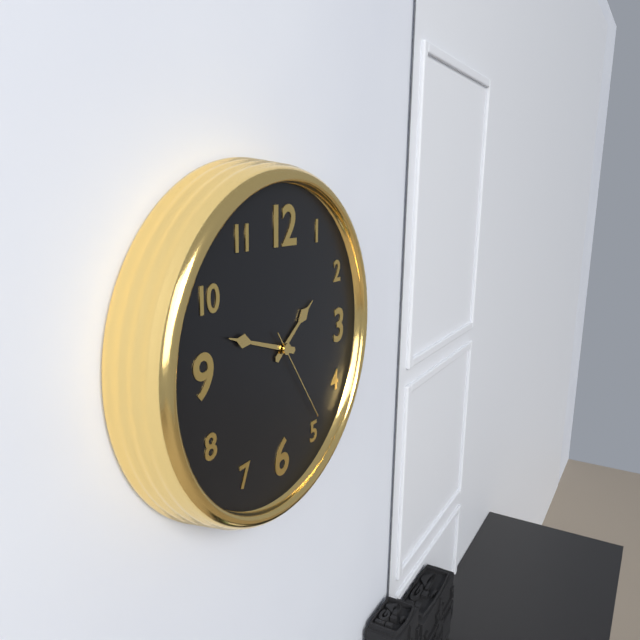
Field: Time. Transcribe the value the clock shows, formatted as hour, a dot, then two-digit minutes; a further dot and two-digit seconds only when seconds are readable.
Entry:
1.48.24
